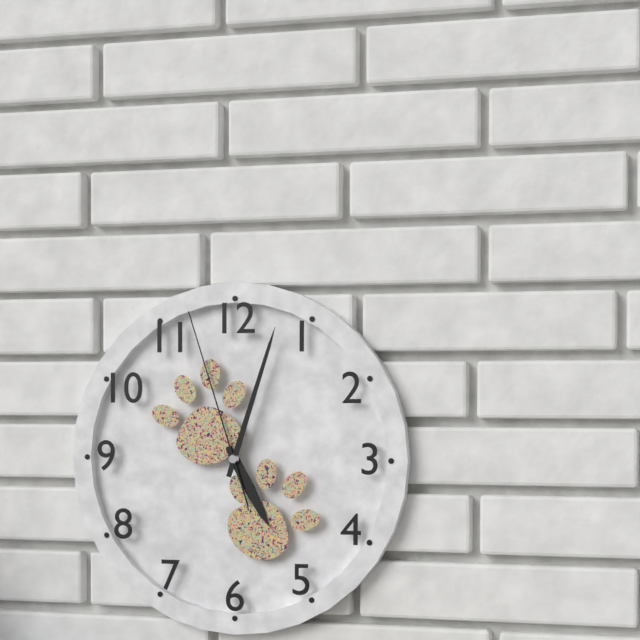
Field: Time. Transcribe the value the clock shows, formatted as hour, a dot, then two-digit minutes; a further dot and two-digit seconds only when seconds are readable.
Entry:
5.03.57
